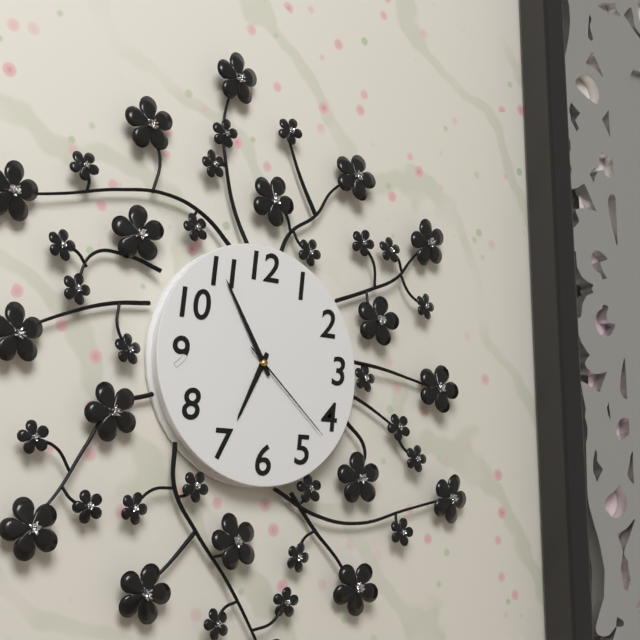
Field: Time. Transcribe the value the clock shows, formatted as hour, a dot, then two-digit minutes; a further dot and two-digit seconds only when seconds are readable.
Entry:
6.55.22
